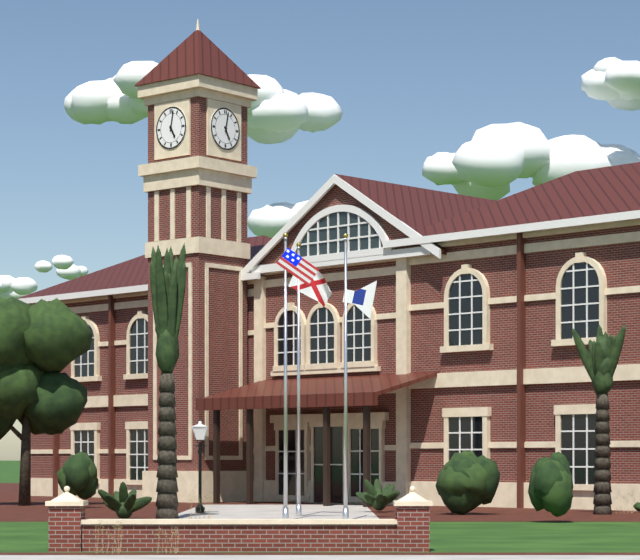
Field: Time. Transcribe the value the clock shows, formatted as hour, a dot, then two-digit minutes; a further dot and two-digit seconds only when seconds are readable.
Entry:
5.02
